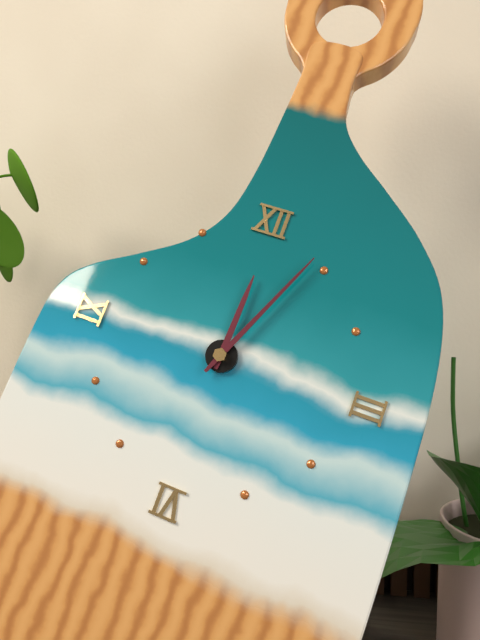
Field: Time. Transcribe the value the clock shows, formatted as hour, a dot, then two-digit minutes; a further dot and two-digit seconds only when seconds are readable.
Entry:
12.04
